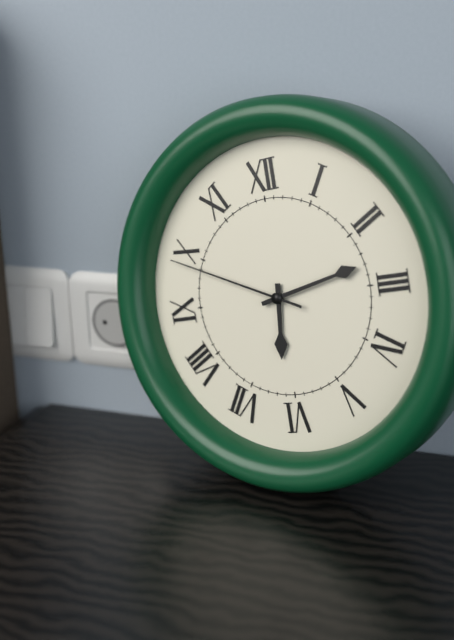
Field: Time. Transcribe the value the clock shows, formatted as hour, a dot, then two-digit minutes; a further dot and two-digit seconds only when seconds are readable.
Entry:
6.13.49
